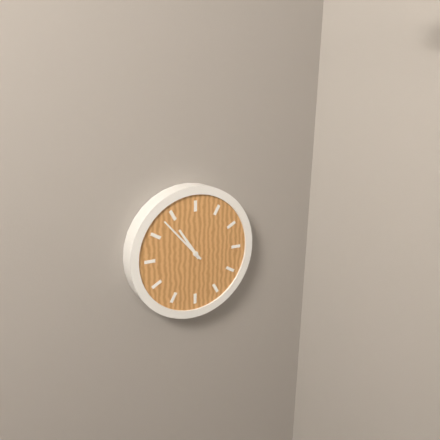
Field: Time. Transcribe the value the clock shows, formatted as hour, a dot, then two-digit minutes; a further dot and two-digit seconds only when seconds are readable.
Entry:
10.53
